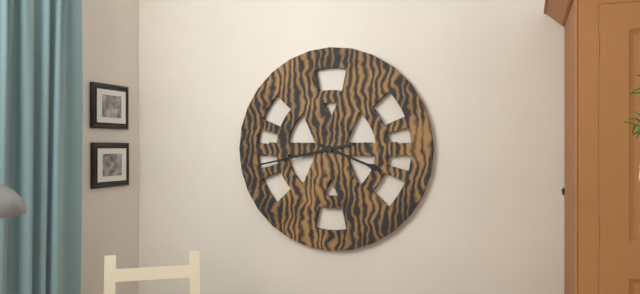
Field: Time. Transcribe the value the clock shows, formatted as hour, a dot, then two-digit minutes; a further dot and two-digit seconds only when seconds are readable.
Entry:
3.43
